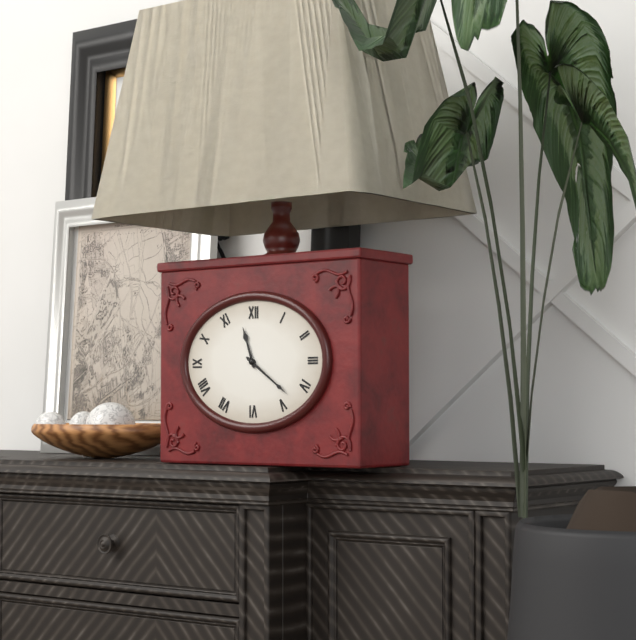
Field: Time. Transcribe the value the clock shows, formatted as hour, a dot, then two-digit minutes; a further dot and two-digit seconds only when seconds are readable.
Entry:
11.21
